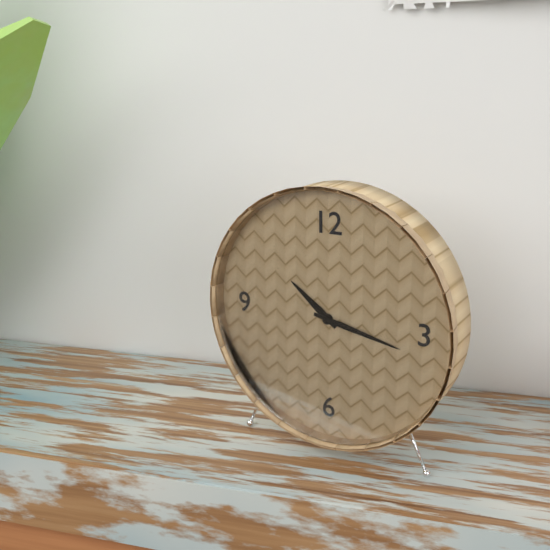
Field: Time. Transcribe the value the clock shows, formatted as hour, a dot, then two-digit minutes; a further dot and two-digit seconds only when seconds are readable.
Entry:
10.17
